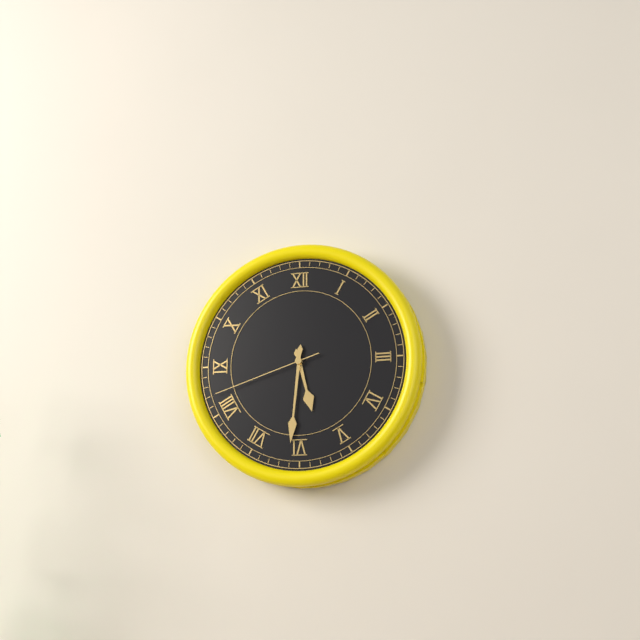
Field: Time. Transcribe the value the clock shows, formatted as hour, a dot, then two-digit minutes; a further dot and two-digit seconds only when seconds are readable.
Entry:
5.31.42
